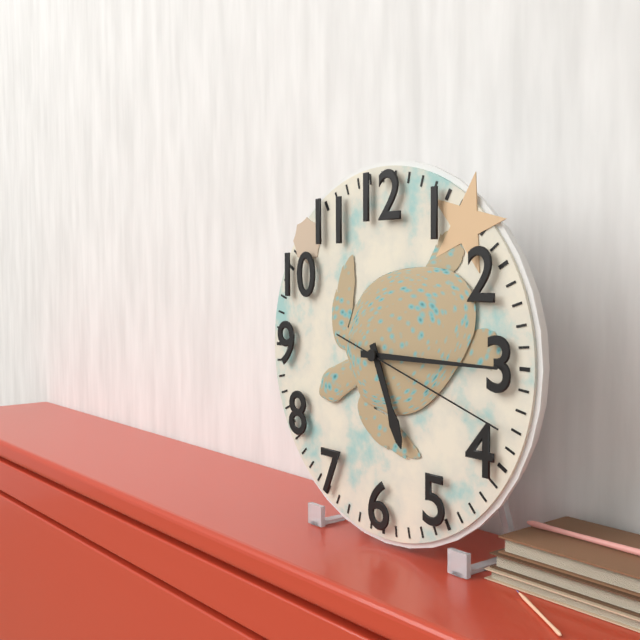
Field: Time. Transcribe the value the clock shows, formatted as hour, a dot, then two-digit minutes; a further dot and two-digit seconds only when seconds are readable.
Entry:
5.15.18
